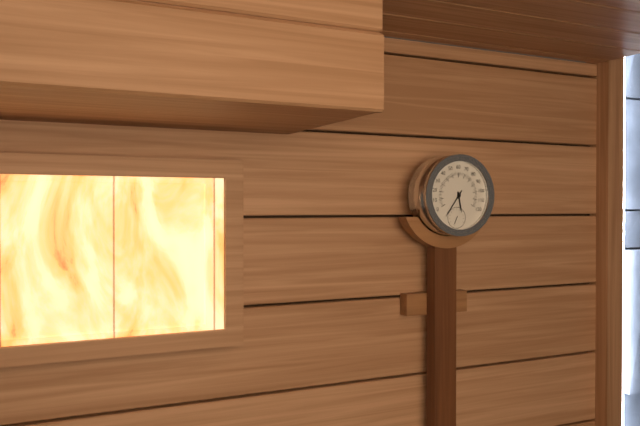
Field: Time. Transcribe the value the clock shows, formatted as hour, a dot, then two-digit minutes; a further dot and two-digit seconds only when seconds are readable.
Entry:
5.36
